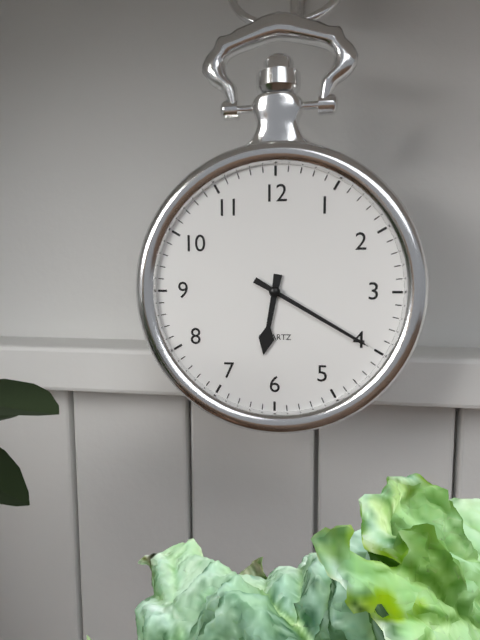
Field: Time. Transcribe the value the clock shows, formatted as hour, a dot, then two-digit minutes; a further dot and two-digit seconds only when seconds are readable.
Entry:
6.20
